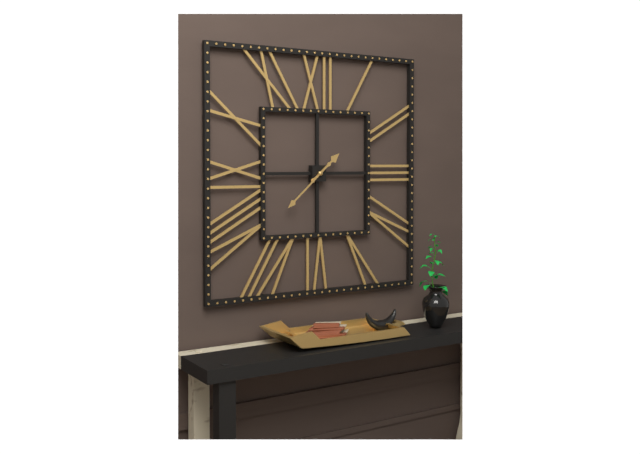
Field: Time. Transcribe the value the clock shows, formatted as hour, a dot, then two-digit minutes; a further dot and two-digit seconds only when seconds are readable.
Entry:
1.38
